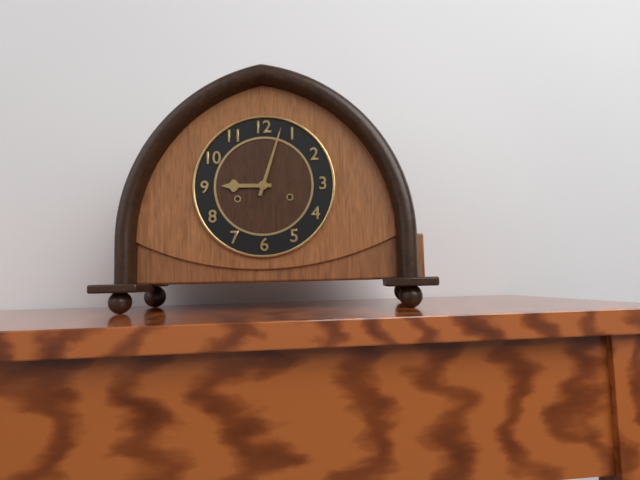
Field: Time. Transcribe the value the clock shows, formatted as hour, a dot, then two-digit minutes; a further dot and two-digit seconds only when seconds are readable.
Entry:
9.03
